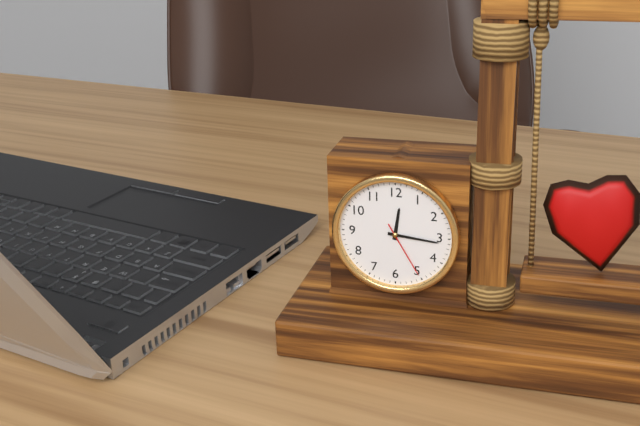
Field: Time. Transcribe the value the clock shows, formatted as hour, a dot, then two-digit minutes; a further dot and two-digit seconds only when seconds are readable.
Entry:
12.16.25
